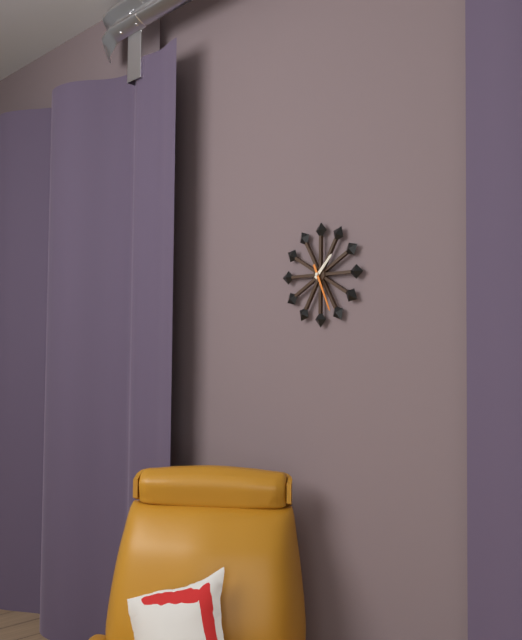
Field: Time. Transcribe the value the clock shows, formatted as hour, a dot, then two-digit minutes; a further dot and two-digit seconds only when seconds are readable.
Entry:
1.26
